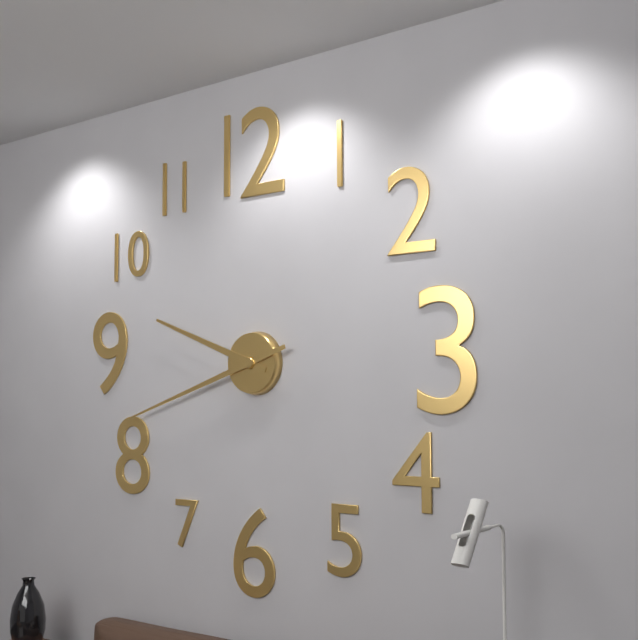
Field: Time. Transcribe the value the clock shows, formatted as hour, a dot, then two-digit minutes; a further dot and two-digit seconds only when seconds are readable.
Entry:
9.42
